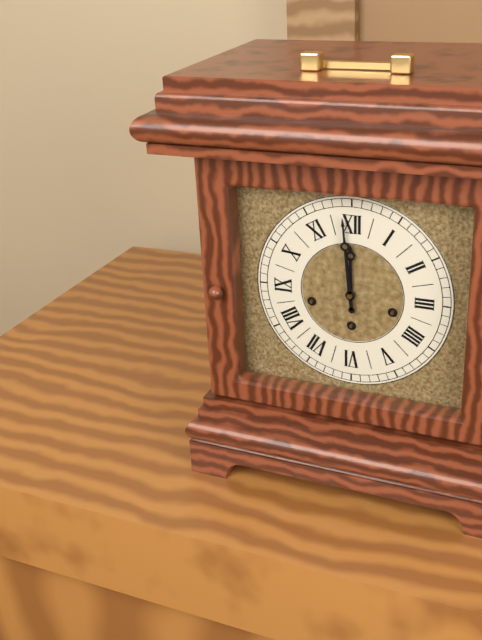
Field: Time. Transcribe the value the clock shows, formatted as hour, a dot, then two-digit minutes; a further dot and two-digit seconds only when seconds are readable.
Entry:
11.59
